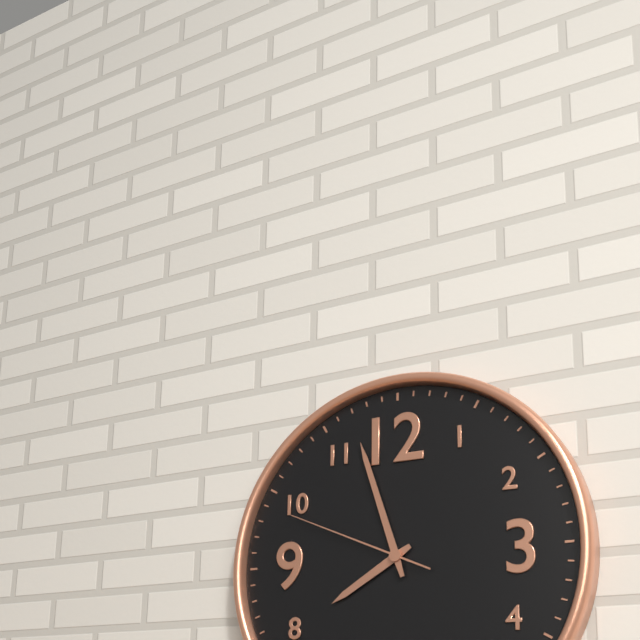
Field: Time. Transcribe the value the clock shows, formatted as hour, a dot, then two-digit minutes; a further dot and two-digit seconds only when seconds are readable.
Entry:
7.57.49
